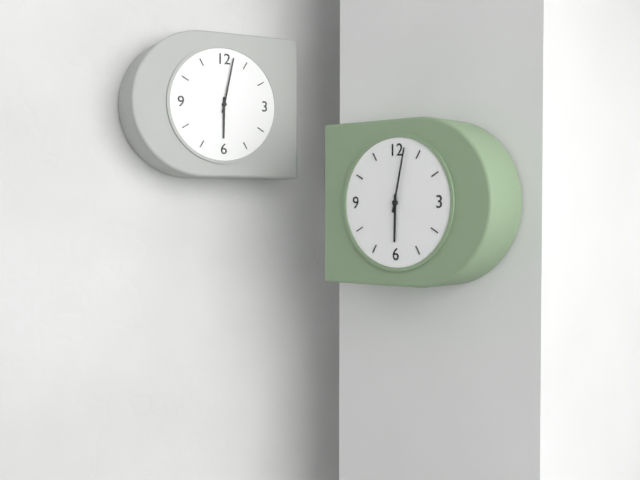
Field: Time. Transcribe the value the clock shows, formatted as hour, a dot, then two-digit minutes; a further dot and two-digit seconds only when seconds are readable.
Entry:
6.02
